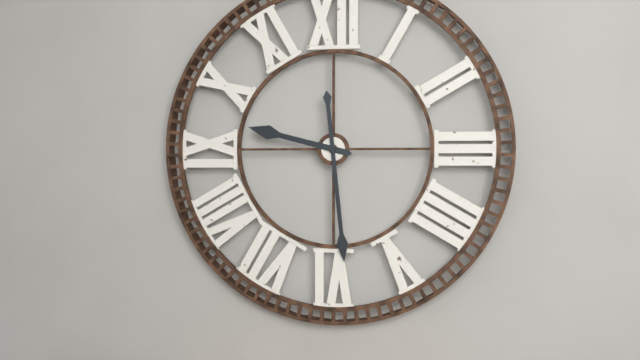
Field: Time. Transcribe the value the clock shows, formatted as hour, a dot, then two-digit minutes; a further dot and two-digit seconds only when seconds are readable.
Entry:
9.29
